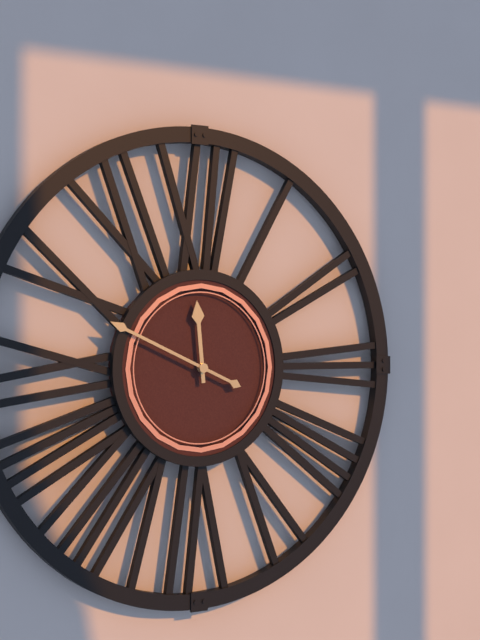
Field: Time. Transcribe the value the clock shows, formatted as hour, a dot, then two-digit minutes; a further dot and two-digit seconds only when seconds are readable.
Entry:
11.49
